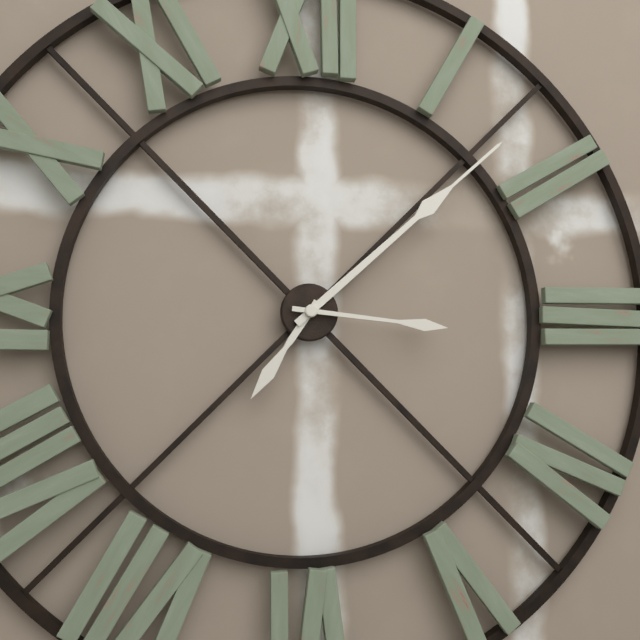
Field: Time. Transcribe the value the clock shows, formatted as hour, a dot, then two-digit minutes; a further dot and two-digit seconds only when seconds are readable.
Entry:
7.08.16
